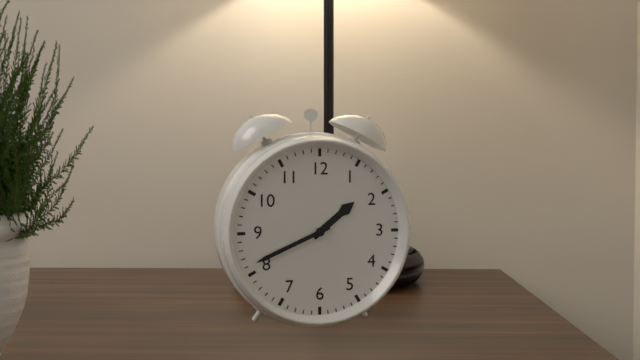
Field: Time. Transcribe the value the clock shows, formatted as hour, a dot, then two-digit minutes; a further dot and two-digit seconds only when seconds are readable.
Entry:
1.41
